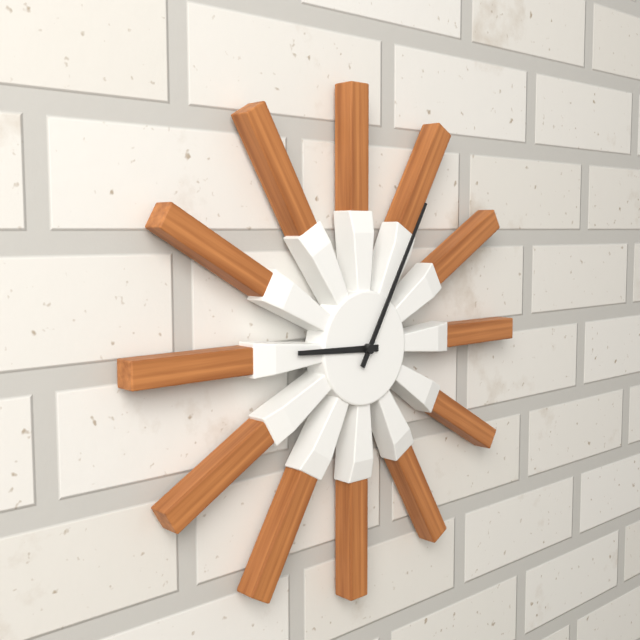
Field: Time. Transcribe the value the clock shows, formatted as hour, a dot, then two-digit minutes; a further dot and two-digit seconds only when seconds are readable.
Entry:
9.05
